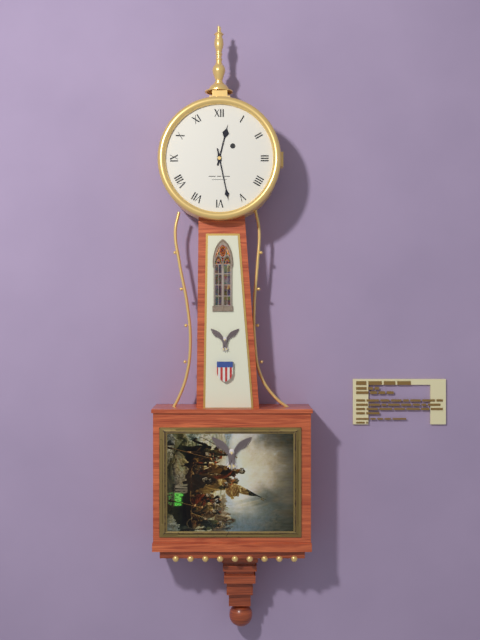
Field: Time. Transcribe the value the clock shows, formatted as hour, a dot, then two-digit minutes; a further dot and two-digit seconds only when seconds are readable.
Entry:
12.28
